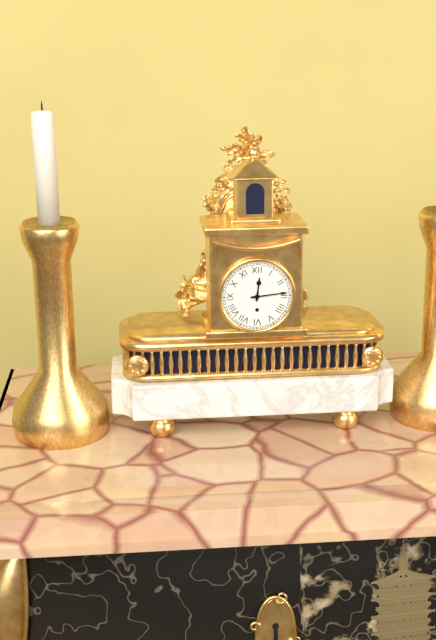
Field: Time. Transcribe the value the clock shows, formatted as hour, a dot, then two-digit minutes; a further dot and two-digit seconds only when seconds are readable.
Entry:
12.14
